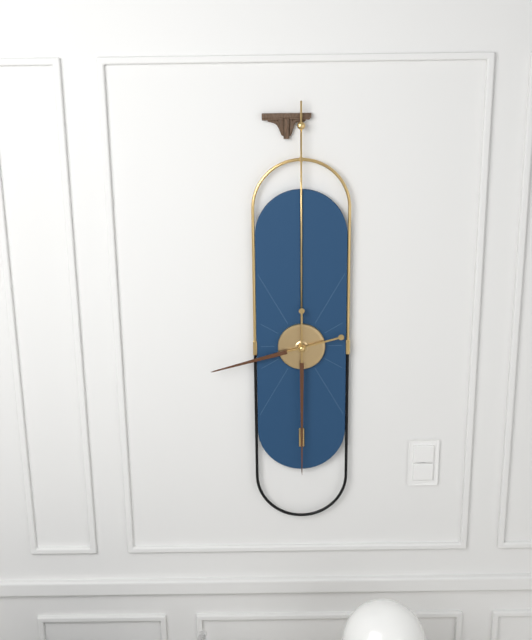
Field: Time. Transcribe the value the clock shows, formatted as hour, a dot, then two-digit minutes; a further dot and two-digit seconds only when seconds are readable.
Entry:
8.30
